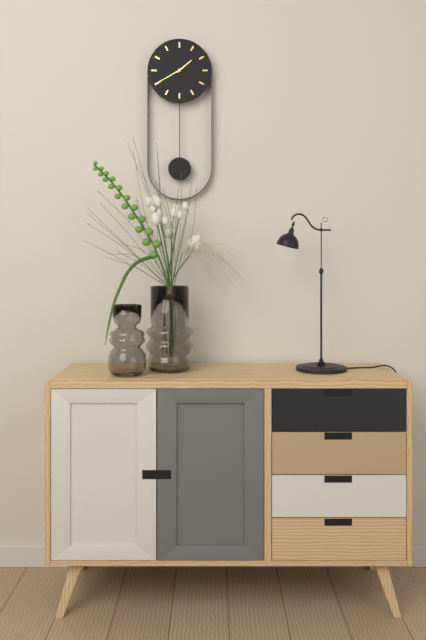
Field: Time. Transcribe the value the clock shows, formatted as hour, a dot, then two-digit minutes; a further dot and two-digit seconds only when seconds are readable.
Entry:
1.40
